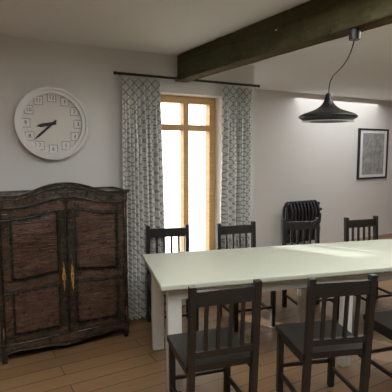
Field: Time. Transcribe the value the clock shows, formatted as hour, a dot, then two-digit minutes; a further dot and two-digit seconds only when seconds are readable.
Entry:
8.38
